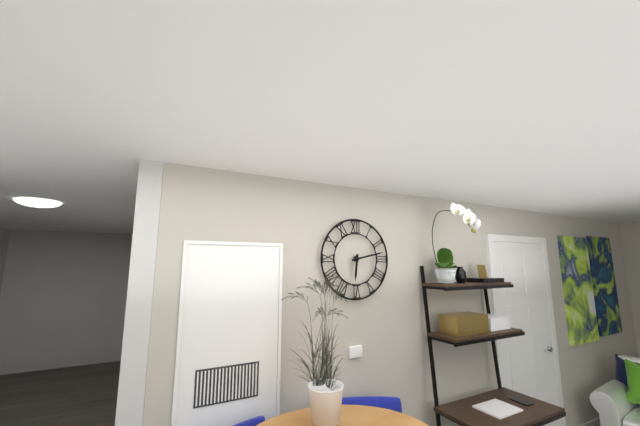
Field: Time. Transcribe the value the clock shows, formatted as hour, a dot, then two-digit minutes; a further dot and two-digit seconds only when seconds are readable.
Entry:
6.13
